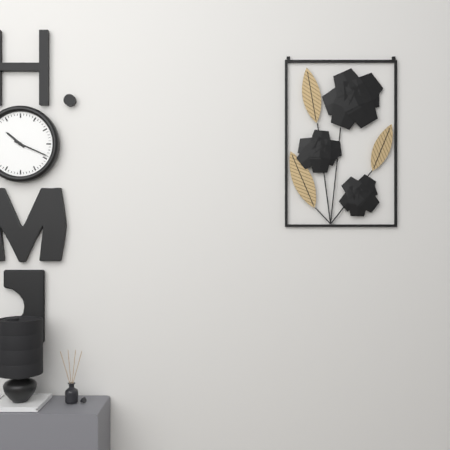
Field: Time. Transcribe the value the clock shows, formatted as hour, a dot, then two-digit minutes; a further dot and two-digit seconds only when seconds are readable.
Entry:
10.19
